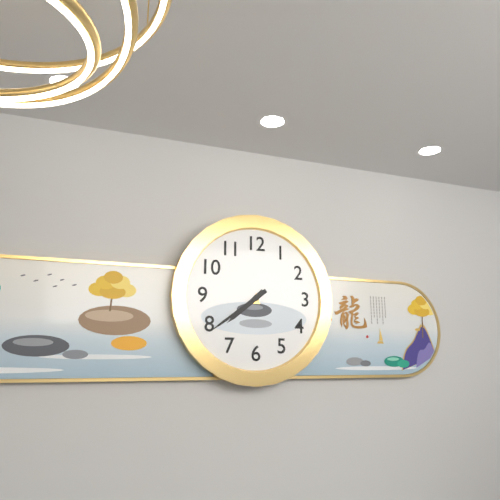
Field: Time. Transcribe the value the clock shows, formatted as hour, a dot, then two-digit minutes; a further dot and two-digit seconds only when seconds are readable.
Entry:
7.39
